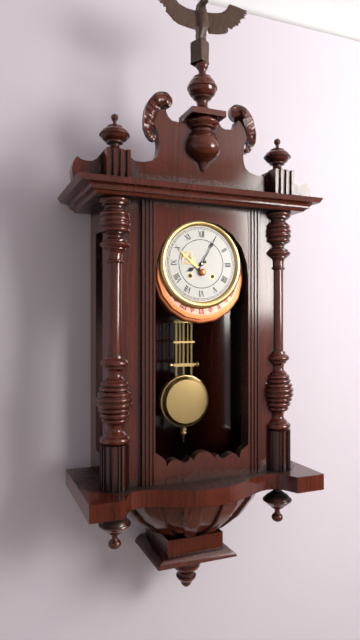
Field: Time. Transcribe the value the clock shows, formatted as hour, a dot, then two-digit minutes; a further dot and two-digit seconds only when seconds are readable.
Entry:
8.05
